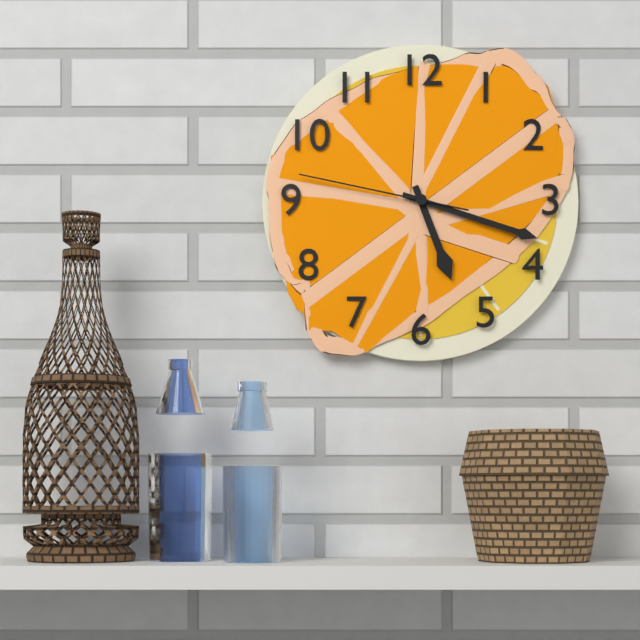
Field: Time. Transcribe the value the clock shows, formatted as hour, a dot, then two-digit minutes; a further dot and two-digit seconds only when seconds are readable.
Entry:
5.18.47
